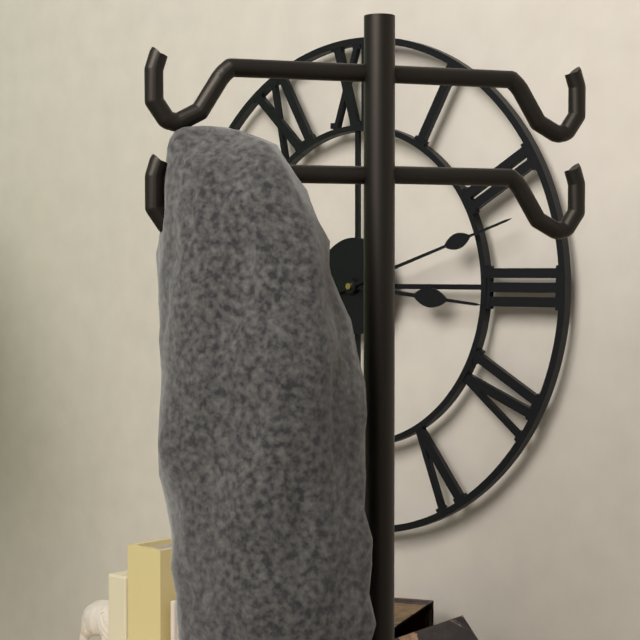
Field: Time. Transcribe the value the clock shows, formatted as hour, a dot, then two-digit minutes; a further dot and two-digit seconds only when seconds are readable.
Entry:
3.12
